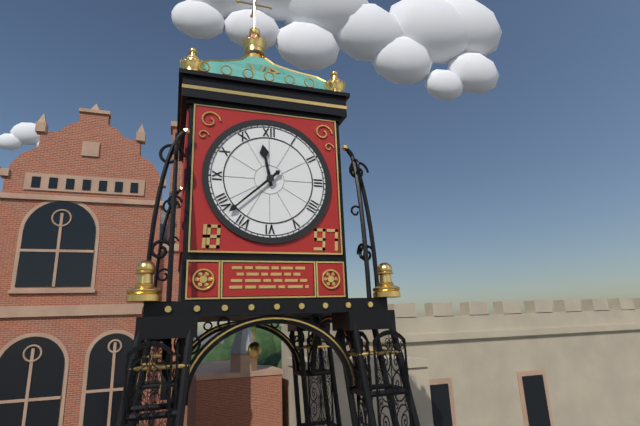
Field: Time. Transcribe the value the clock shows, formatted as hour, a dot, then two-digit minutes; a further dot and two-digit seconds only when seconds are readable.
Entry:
11.38
